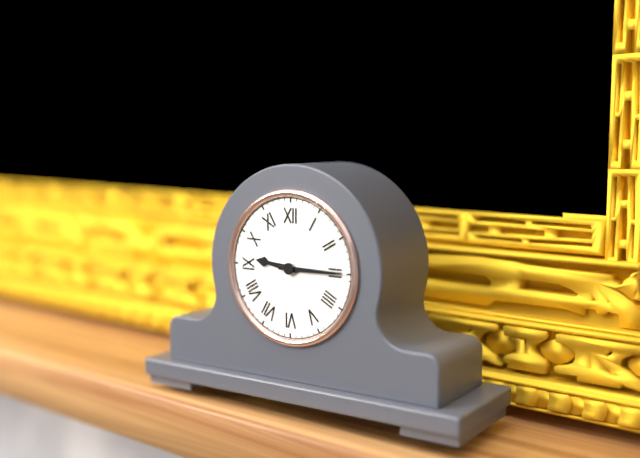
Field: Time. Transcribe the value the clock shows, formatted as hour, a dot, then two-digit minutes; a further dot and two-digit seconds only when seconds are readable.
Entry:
9.15
